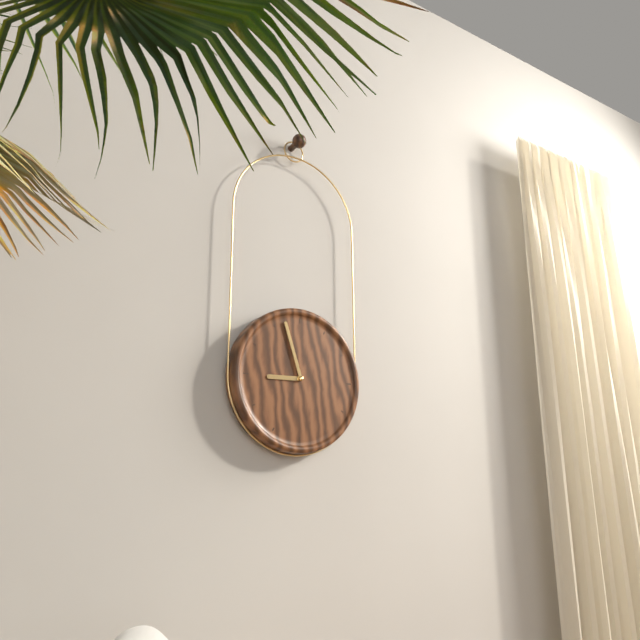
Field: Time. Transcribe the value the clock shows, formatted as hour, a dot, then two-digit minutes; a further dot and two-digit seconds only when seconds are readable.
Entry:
8.57
